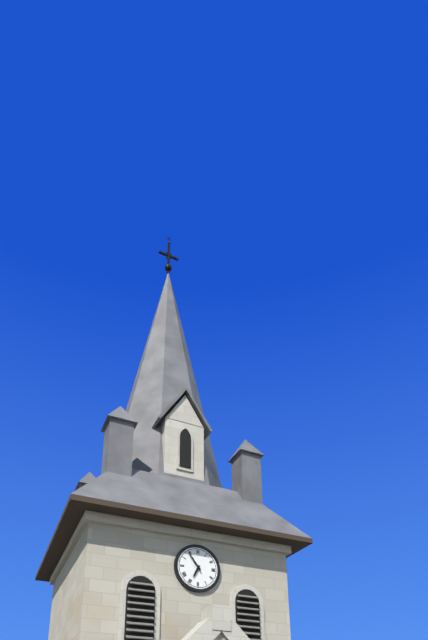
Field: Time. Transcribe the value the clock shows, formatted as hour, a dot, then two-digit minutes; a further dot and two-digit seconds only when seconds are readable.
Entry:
6.54
